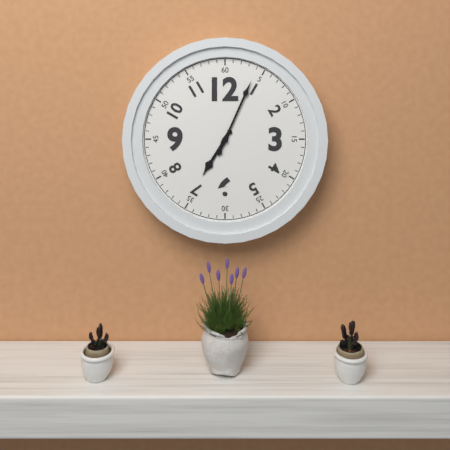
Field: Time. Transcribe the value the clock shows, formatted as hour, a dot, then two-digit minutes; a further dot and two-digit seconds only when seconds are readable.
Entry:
7.04
